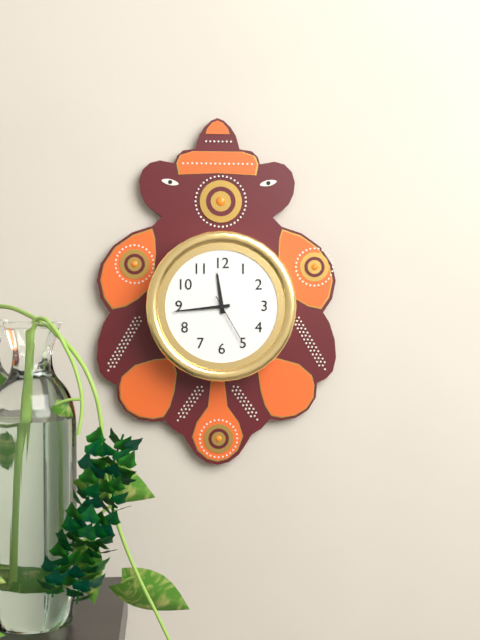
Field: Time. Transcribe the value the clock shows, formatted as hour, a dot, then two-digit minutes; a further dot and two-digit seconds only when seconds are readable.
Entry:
11.44.25
